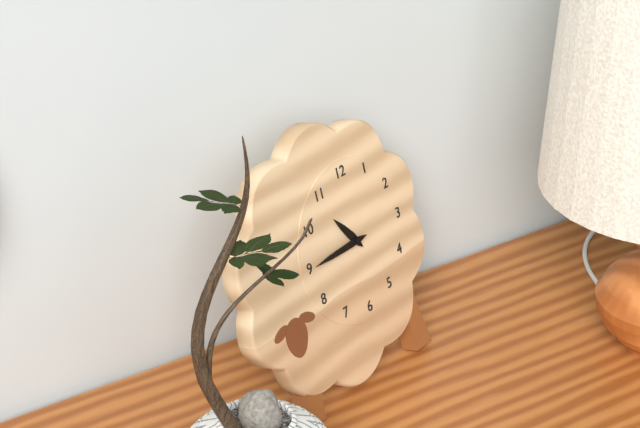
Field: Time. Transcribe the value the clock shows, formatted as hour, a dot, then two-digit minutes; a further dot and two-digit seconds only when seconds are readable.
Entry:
10.45
